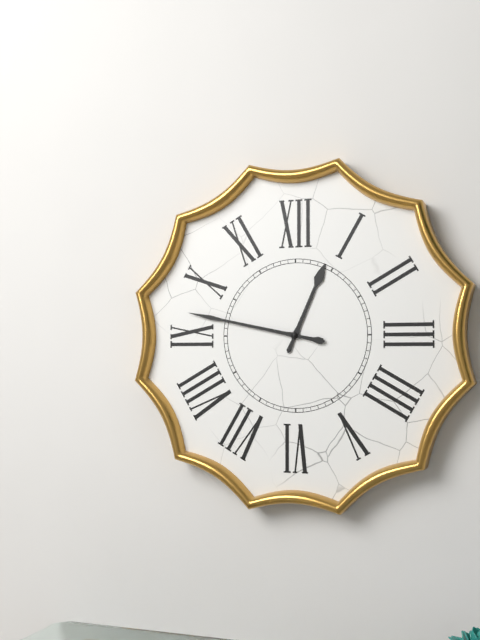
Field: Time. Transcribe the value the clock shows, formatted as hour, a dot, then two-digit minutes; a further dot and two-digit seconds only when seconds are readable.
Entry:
12.47
